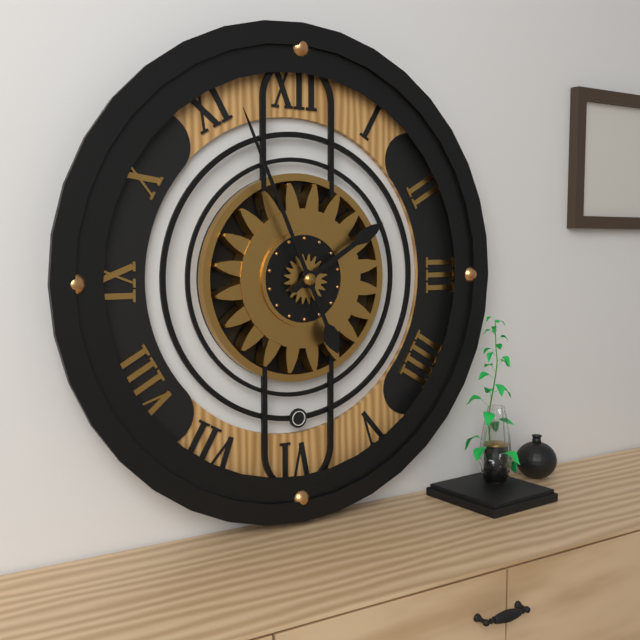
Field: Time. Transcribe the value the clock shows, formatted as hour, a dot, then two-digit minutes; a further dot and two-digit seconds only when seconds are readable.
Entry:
1.56
